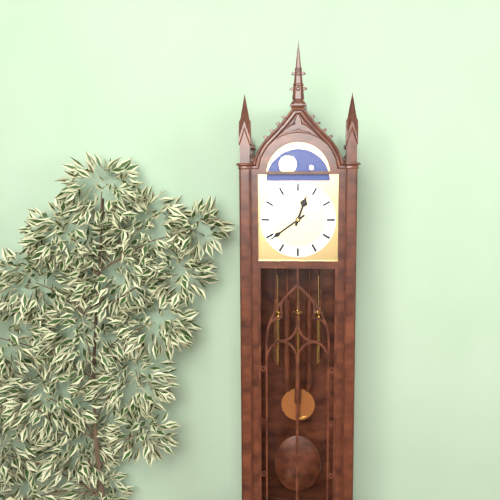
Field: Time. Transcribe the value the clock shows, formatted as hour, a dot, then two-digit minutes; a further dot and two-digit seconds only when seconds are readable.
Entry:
12.39
